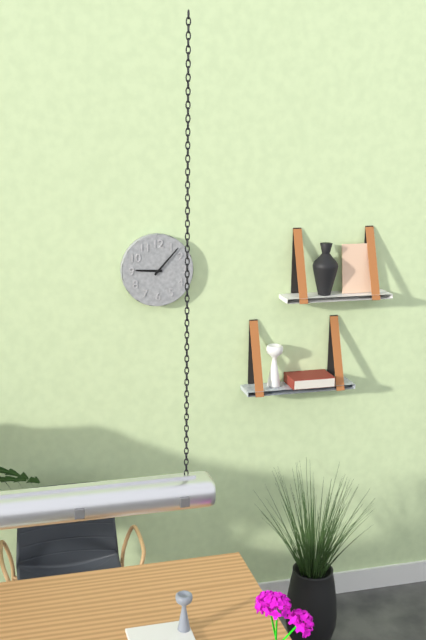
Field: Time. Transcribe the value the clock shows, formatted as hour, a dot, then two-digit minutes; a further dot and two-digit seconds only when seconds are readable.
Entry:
9.07
